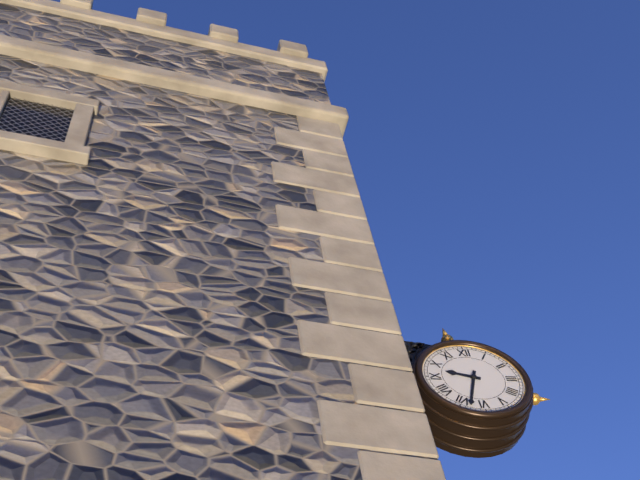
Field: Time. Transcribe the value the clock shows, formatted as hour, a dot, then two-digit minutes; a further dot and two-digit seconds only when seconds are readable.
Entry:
9.33
